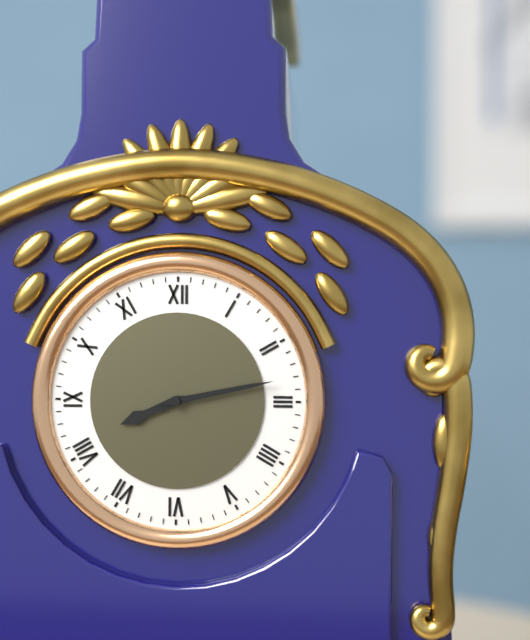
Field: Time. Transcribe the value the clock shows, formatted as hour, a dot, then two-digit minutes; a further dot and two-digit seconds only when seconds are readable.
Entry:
8.13
